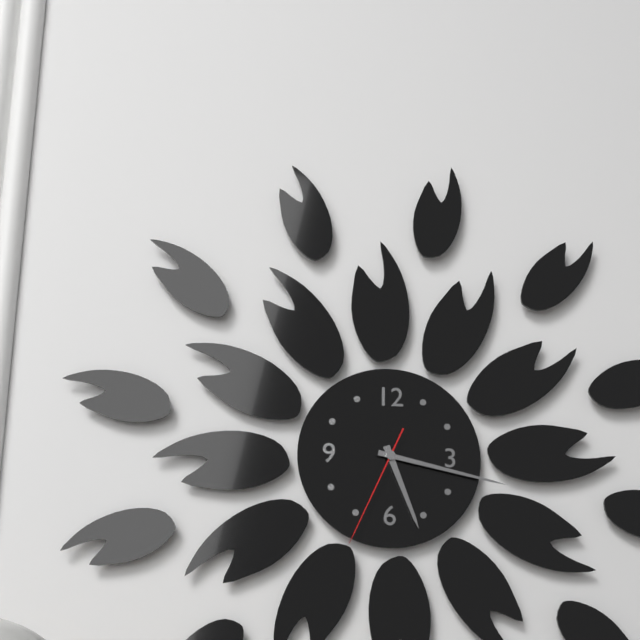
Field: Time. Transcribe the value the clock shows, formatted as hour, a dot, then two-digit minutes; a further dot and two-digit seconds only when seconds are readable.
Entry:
5.17.34
